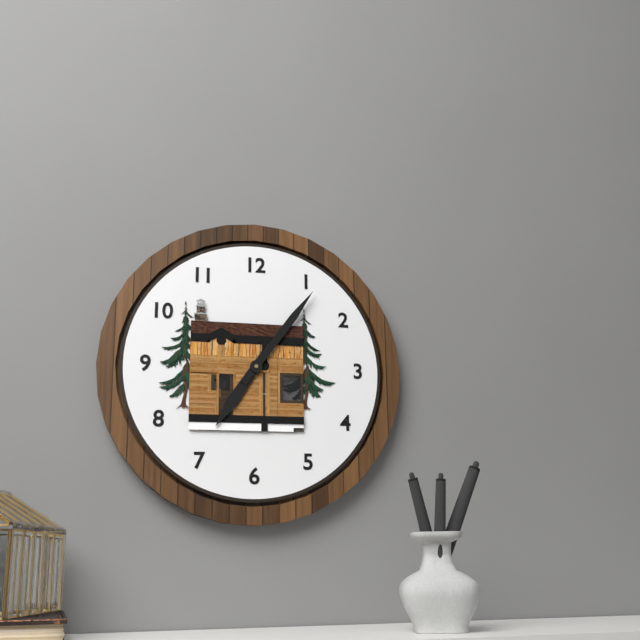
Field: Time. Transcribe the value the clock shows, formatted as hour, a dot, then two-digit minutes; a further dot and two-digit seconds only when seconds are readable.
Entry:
7.06
